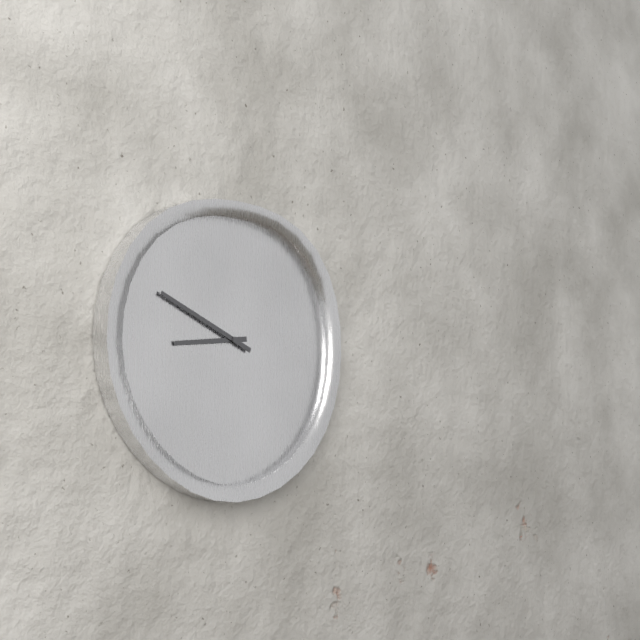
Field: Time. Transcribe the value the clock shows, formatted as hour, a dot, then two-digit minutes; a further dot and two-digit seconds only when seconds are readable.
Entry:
8.49
